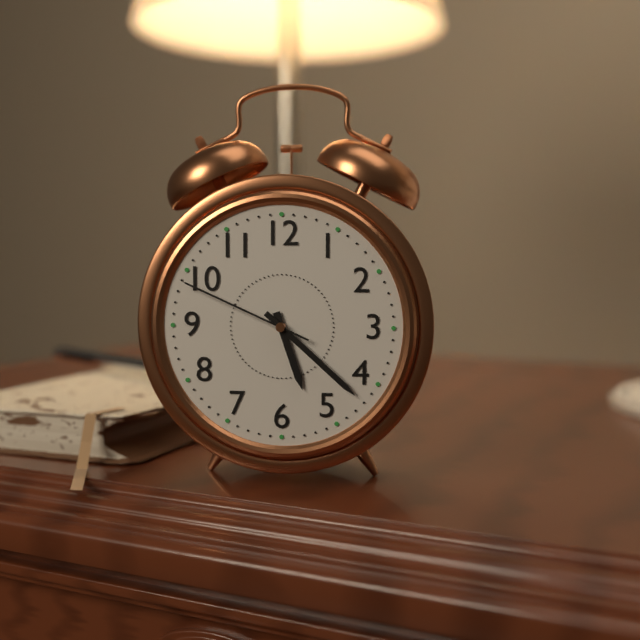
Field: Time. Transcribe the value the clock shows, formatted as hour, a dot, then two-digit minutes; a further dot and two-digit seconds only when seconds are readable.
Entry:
5.22.49
